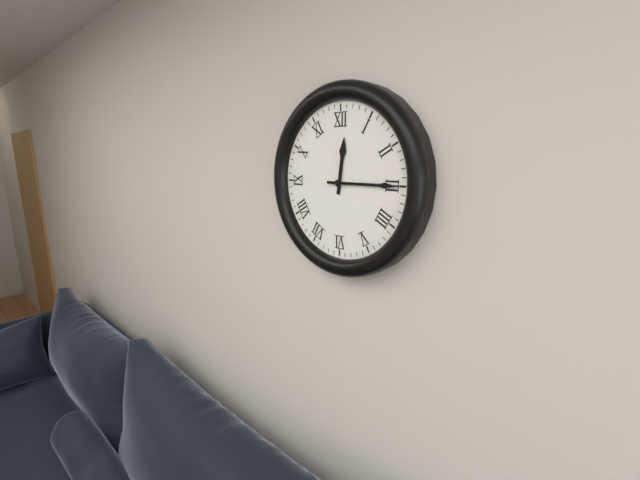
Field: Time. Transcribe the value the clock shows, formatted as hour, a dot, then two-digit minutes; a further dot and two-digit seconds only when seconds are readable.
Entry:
12.15
